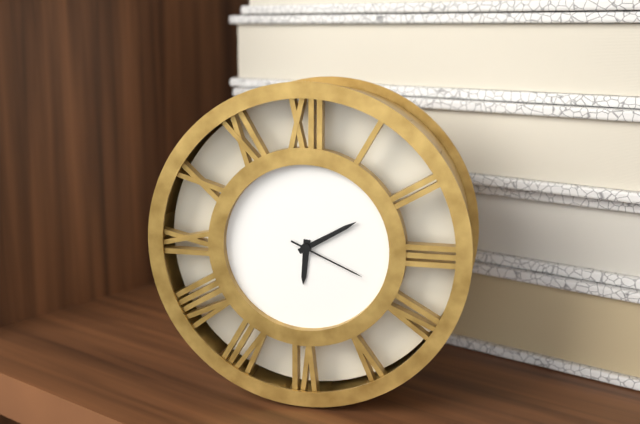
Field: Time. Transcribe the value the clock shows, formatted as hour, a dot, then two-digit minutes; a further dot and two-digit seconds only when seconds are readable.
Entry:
6.10.19
